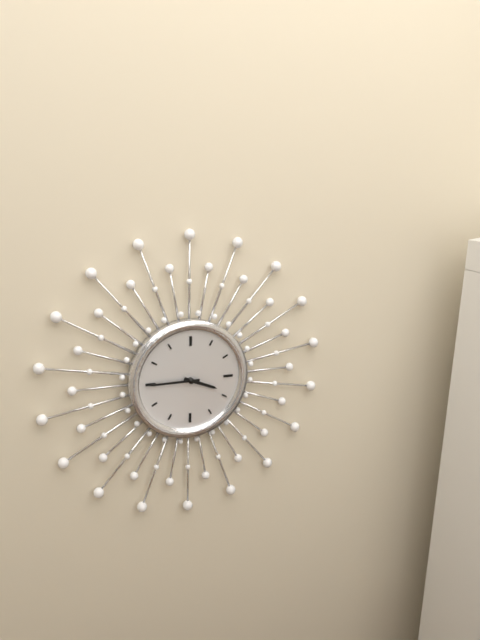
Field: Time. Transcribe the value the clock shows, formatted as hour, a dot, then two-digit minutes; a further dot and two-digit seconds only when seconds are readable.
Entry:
3.45
